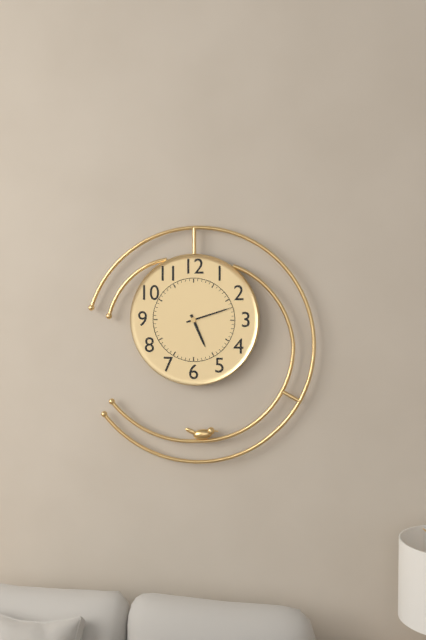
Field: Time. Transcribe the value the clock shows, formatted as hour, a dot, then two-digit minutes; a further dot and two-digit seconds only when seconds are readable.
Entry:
5.12
